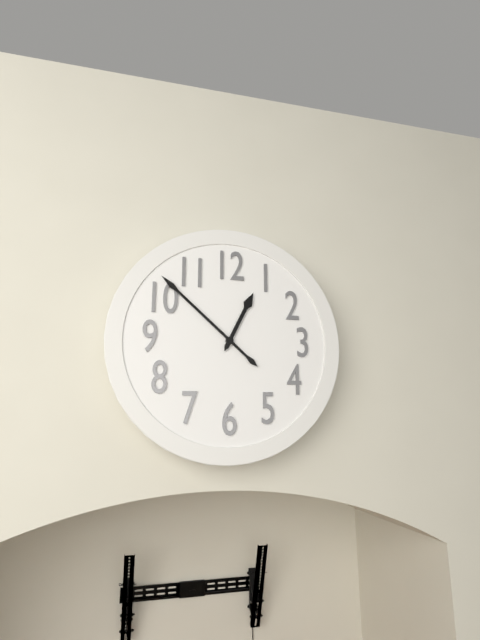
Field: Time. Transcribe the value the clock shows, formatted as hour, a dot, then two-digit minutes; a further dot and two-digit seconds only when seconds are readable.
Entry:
12.52
